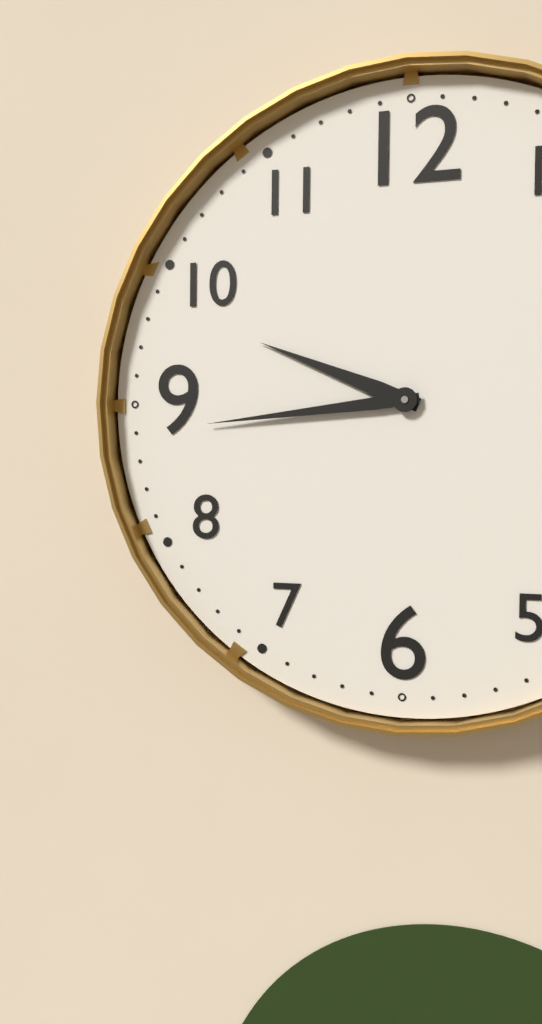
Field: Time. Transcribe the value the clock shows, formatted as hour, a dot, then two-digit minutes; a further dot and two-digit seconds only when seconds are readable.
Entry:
9.44
